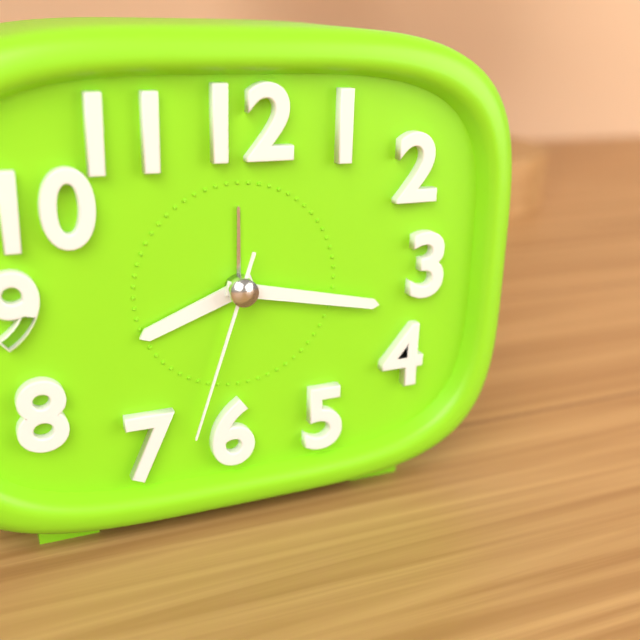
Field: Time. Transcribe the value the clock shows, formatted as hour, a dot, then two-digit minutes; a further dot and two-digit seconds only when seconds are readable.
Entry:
8.17.33
